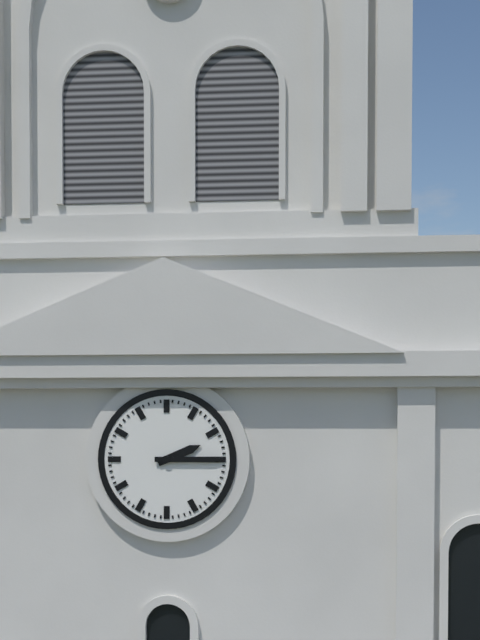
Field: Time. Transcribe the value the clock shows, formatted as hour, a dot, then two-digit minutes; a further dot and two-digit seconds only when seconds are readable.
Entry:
2.15
